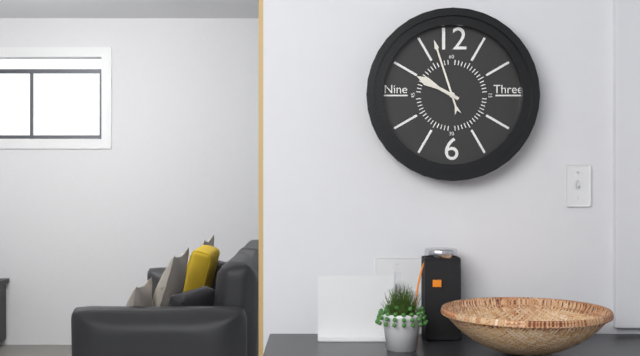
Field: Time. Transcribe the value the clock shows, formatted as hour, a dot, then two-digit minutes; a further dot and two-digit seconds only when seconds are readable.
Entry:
9.57
